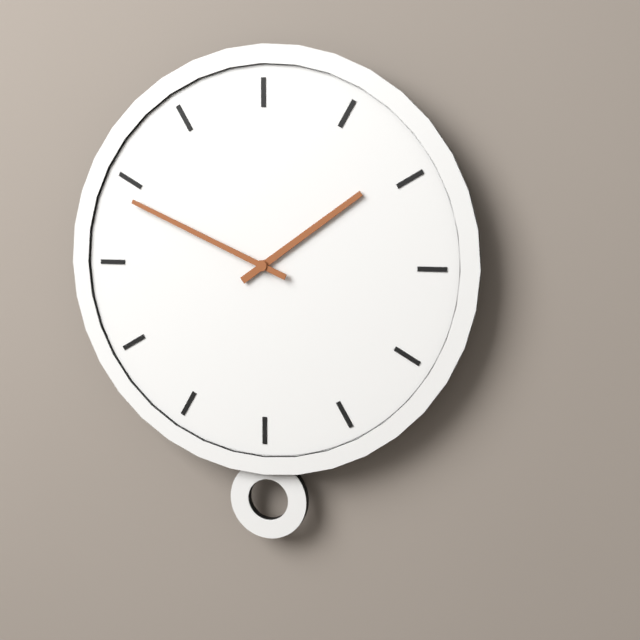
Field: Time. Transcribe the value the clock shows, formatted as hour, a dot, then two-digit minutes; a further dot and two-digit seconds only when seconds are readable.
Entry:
1.49
